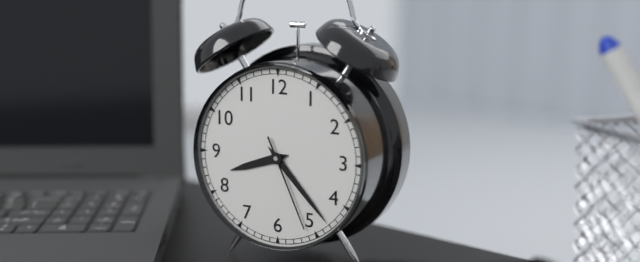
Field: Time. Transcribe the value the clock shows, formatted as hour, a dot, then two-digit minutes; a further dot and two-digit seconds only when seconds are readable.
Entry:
8.23.26
